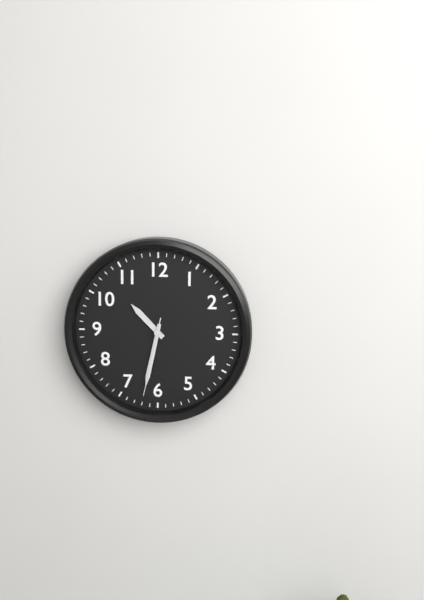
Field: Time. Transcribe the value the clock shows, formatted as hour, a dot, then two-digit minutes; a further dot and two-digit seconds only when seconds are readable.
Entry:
10.32.32
